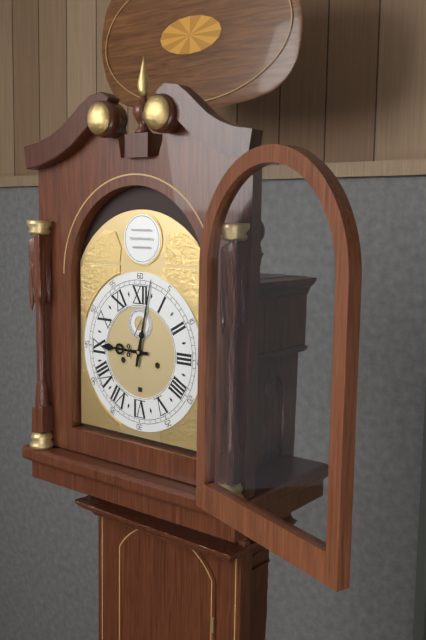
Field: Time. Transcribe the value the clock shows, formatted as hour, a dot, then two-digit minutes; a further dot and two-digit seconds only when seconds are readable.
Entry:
9.02
